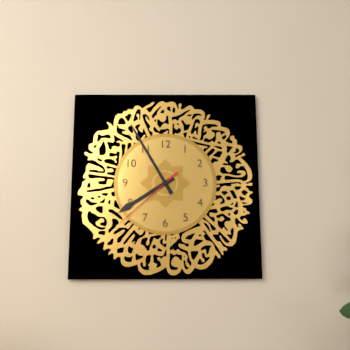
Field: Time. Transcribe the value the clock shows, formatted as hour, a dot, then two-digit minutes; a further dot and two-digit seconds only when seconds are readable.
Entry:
7.55.38
